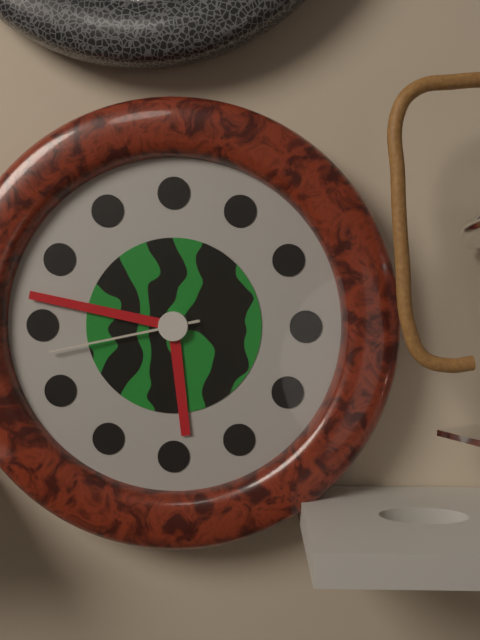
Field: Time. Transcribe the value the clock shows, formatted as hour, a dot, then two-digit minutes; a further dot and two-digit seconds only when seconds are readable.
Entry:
5.47.43
